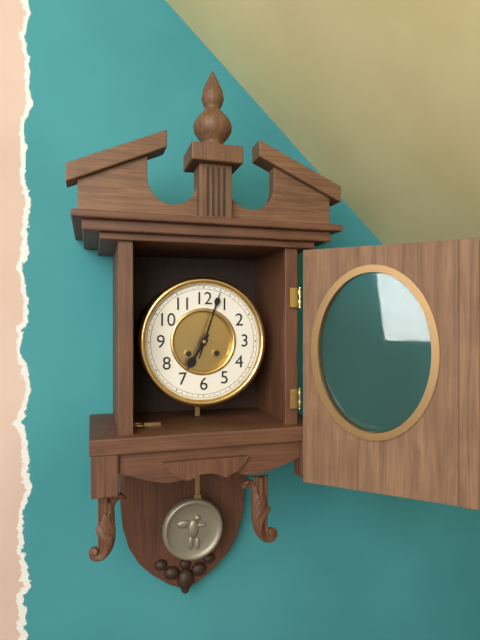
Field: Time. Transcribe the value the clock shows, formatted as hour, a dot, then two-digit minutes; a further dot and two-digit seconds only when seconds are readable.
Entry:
7.03
